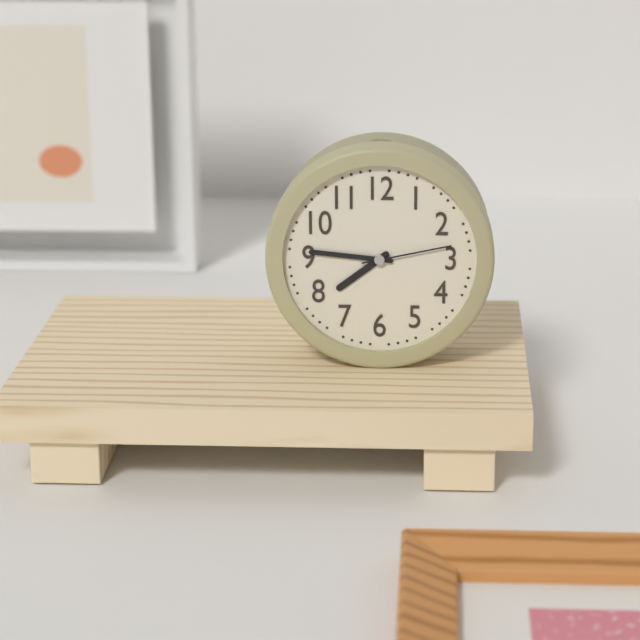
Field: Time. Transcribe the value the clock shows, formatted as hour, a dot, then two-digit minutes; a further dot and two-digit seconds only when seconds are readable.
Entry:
7.46.13
